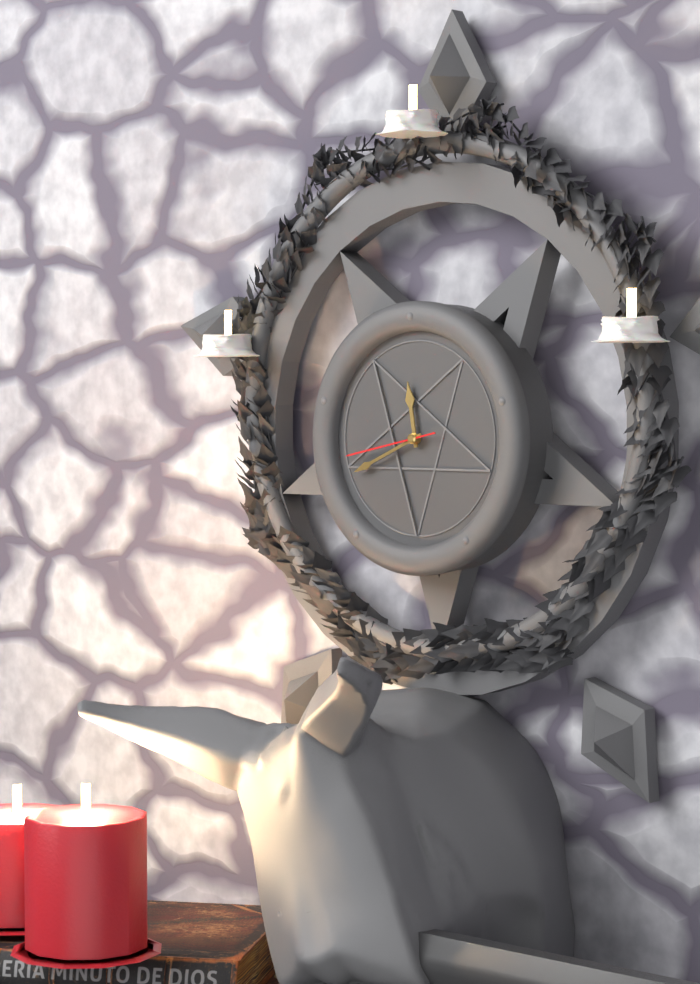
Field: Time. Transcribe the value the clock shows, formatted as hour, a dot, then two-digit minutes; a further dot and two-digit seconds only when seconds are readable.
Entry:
11.41.43
